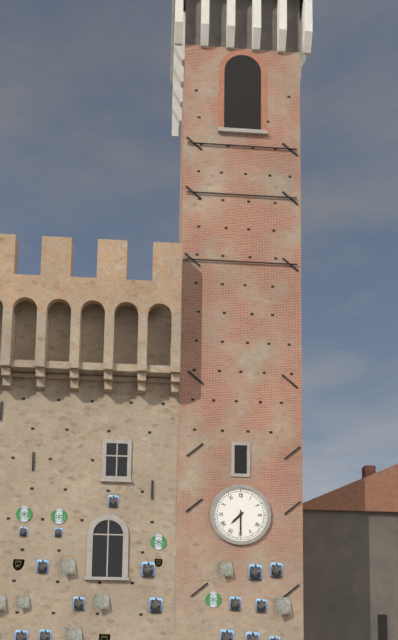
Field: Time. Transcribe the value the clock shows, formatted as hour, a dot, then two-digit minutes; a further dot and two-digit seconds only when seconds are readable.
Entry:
7.30
